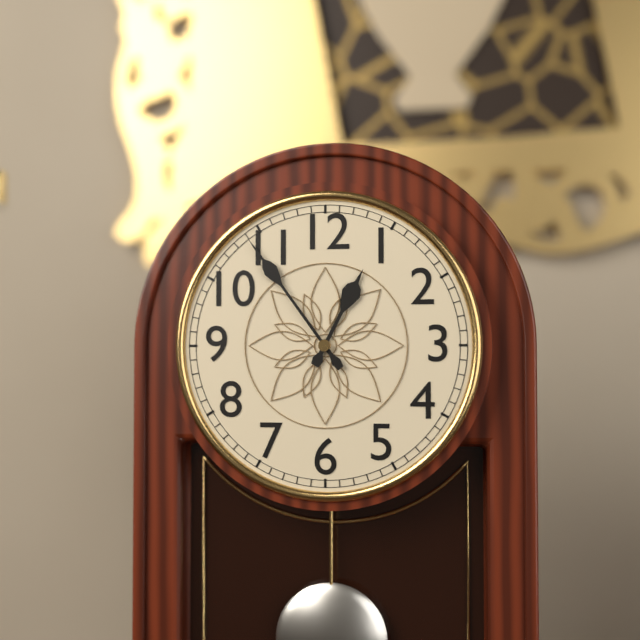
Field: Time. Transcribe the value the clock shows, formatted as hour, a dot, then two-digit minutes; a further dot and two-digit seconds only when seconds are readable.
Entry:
12.54
